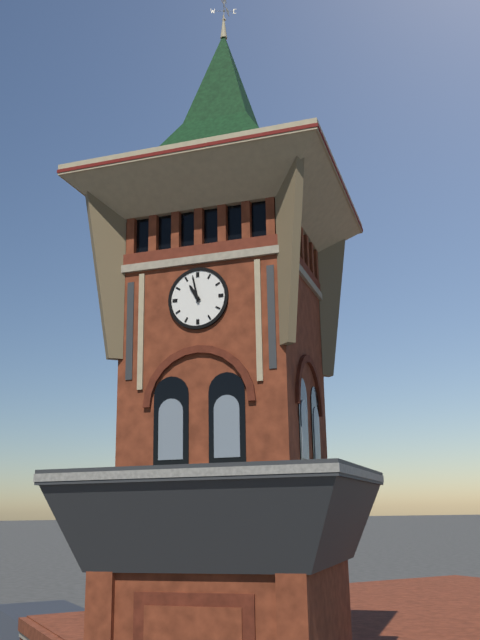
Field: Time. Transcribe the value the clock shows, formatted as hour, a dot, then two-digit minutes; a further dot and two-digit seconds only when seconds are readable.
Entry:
10.58
